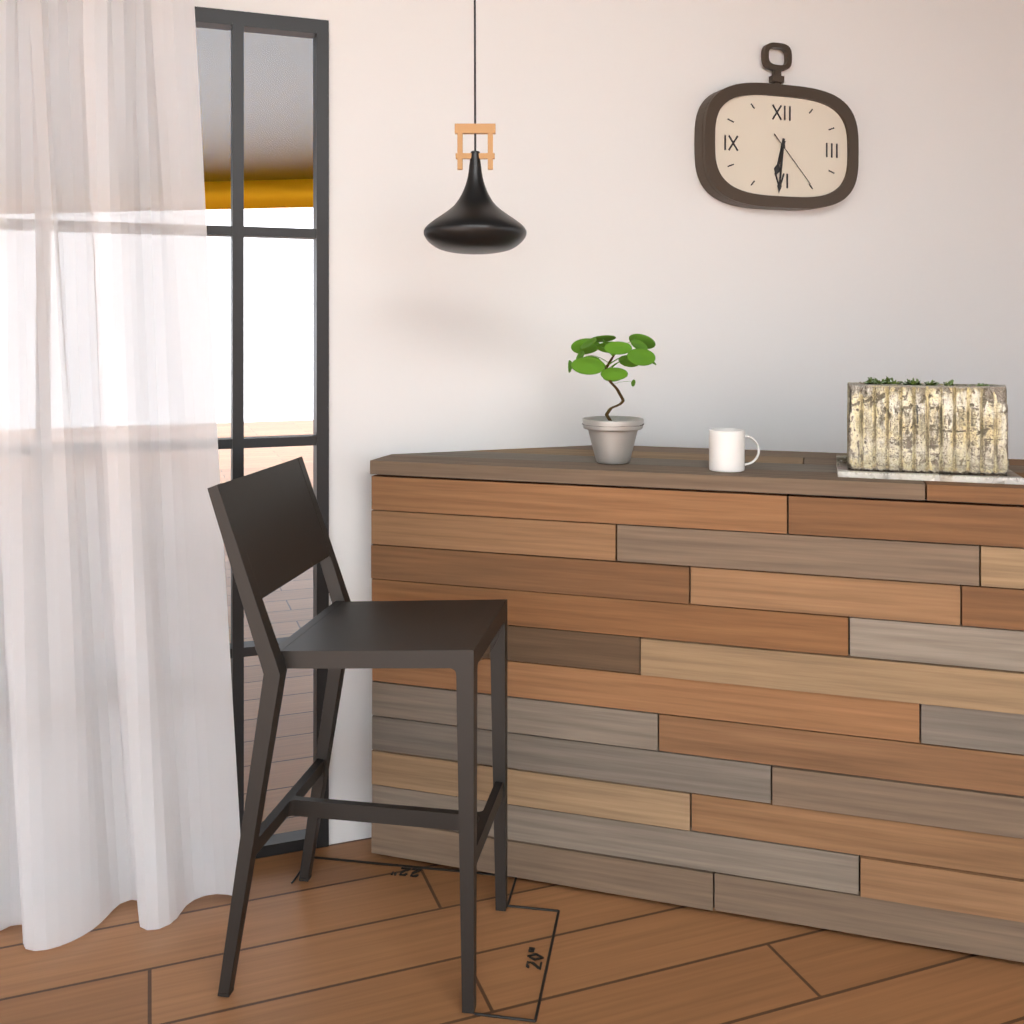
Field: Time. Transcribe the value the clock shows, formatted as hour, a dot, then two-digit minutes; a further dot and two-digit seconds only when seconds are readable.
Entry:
6.31.23
